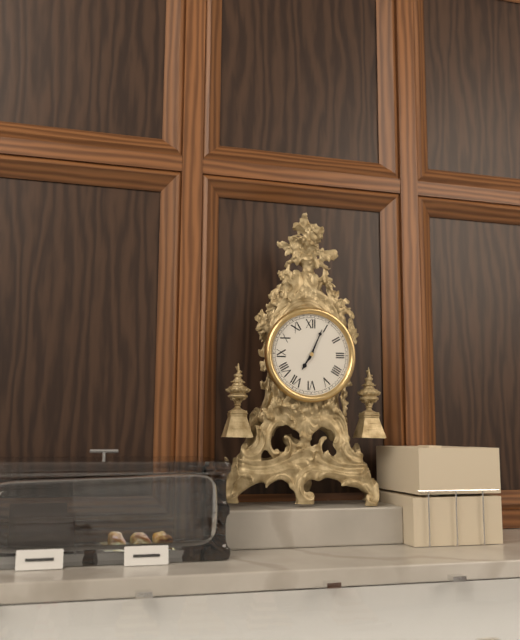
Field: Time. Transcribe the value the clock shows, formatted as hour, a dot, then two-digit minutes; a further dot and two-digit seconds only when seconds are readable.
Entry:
7.04
